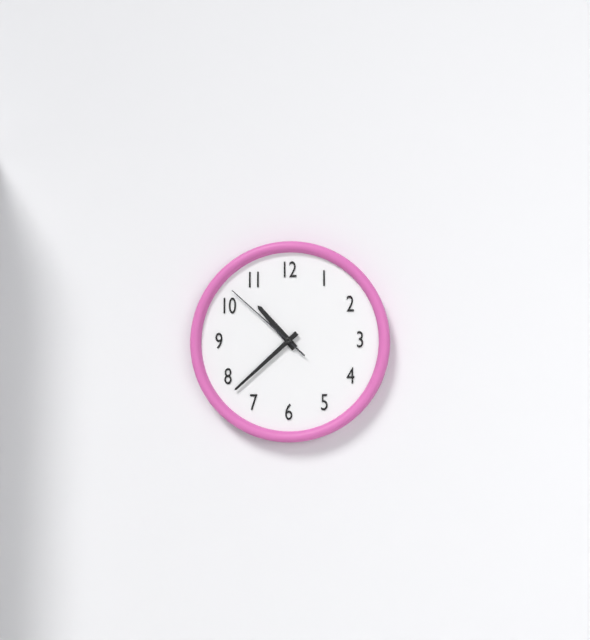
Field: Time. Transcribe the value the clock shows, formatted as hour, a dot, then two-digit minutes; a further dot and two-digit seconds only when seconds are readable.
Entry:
10.38.52
